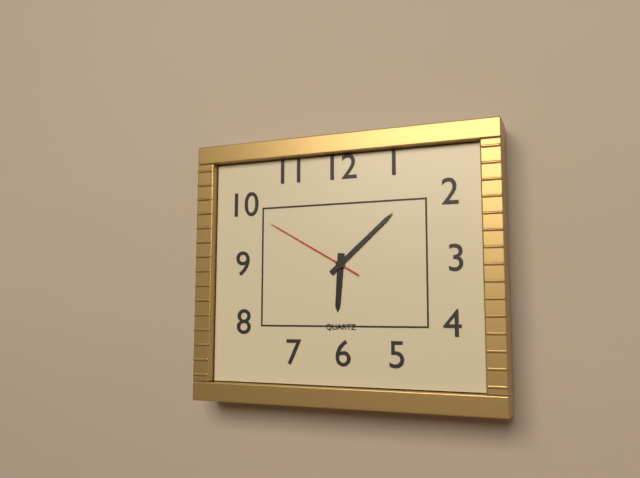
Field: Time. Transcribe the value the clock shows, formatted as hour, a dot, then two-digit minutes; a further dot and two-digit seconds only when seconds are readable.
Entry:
6.08.50
